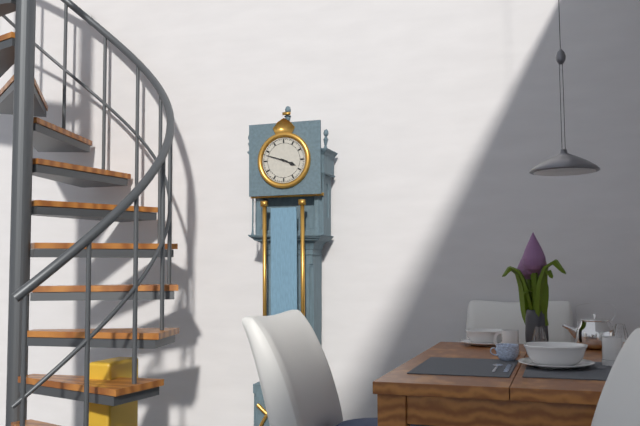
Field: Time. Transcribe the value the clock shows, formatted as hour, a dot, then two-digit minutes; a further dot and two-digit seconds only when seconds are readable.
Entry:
3.48
